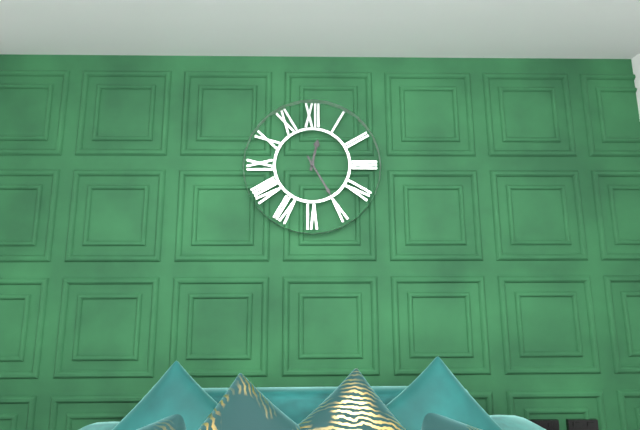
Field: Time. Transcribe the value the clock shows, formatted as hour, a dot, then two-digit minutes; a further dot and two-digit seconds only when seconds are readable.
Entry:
12.25
